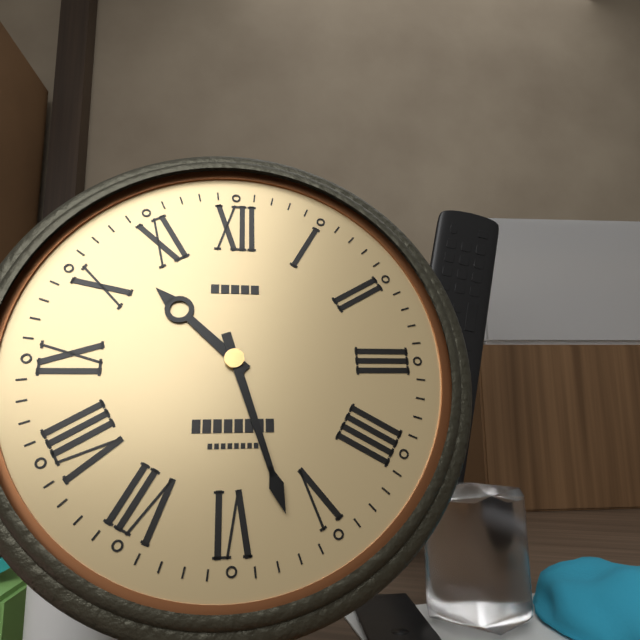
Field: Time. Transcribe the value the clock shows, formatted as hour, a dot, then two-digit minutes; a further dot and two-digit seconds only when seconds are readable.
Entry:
10.27
